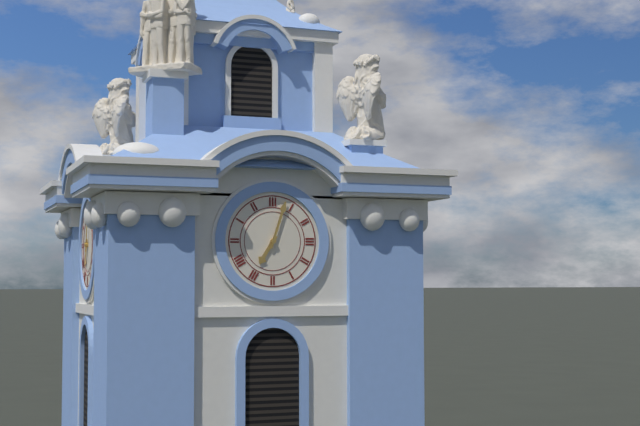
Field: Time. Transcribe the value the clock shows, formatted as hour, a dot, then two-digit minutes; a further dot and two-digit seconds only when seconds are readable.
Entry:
7.03
